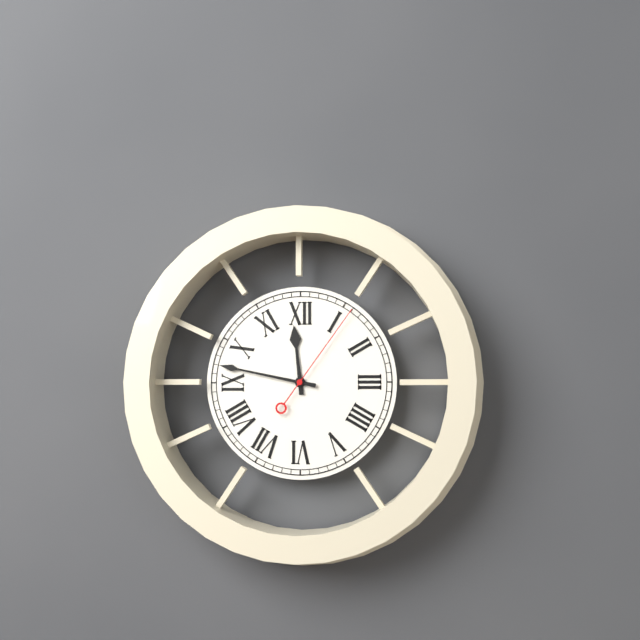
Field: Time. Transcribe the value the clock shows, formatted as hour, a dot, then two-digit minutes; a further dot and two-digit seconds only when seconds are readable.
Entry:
11.47.06
